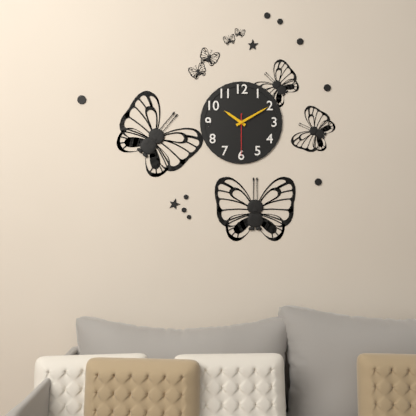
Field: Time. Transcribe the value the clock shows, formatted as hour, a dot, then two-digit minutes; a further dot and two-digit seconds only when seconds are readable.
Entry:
10.10
